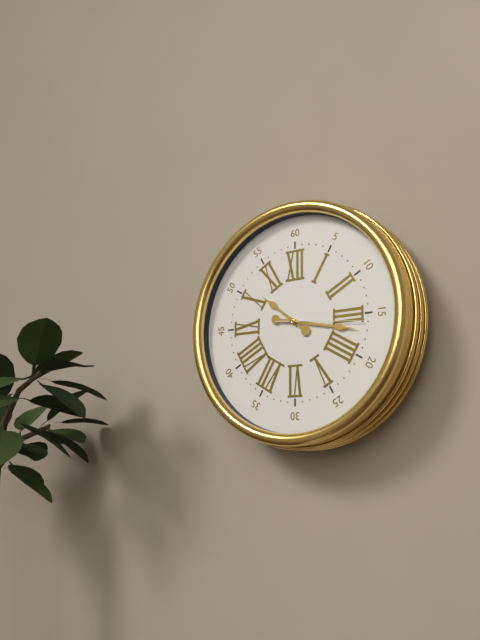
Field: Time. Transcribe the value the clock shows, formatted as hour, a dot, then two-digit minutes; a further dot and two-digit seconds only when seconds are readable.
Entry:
10.17.16
